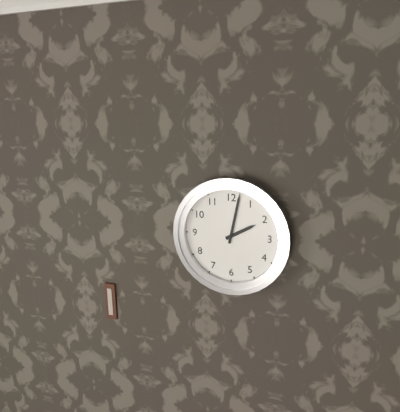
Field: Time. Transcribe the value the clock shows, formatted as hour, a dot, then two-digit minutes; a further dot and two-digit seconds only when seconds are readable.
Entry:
2.02
